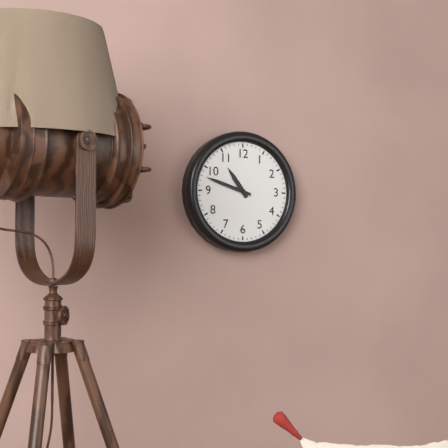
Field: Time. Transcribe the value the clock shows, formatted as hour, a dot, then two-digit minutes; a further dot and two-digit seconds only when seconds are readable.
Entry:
10.48
